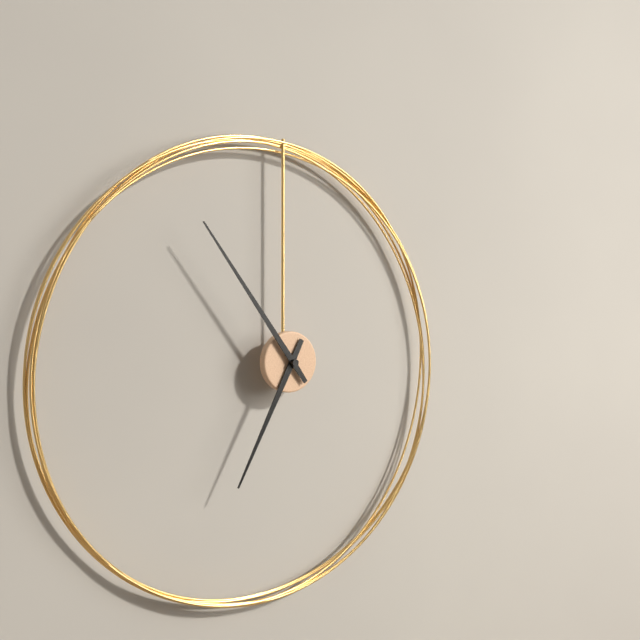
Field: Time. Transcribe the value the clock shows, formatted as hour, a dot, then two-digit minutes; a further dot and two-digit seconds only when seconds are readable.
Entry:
6.54
